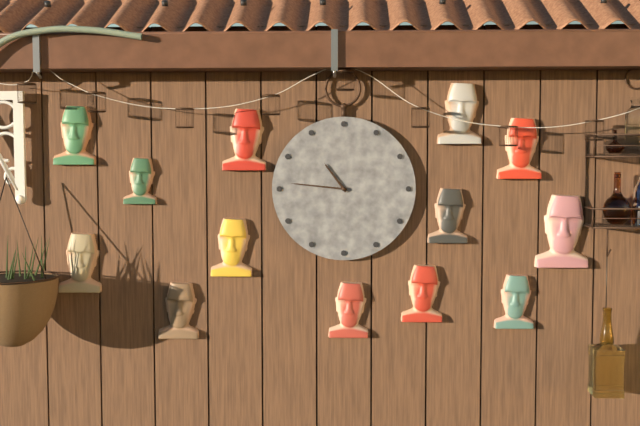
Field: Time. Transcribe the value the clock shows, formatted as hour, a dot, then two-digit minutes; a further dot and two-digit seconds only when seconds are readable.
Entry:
10.46
